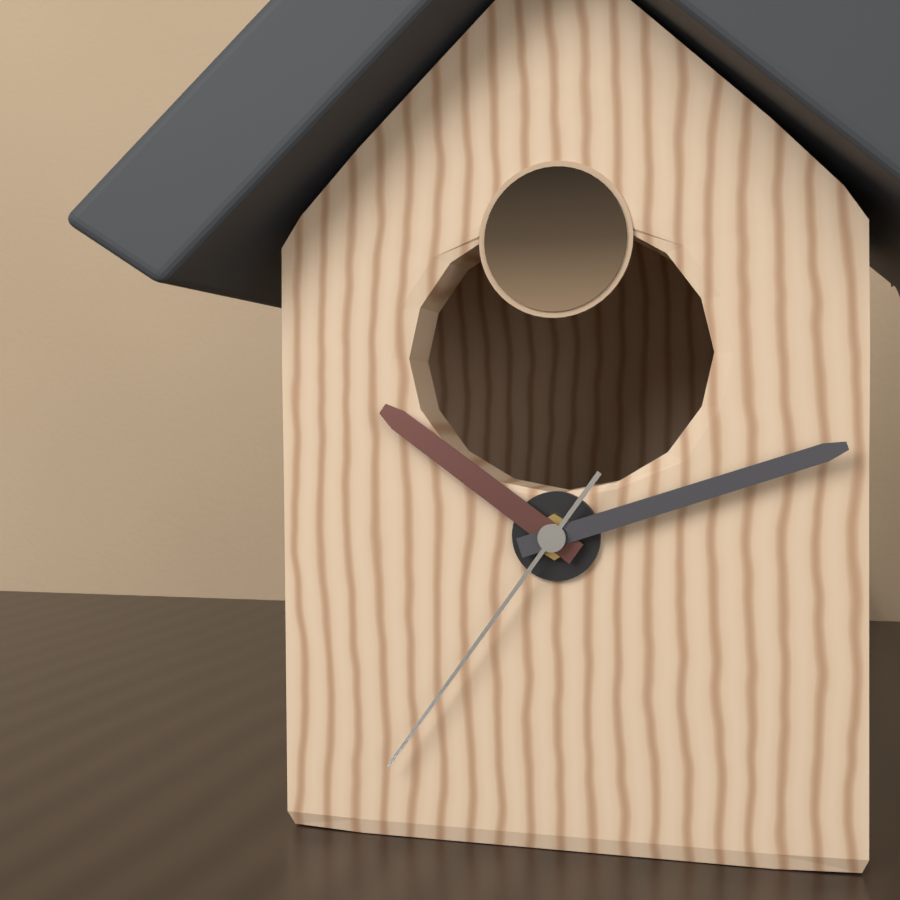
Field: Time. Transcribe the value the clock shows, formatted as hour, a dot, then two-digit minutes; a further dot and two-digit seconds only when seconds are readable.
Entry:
10.12.36
